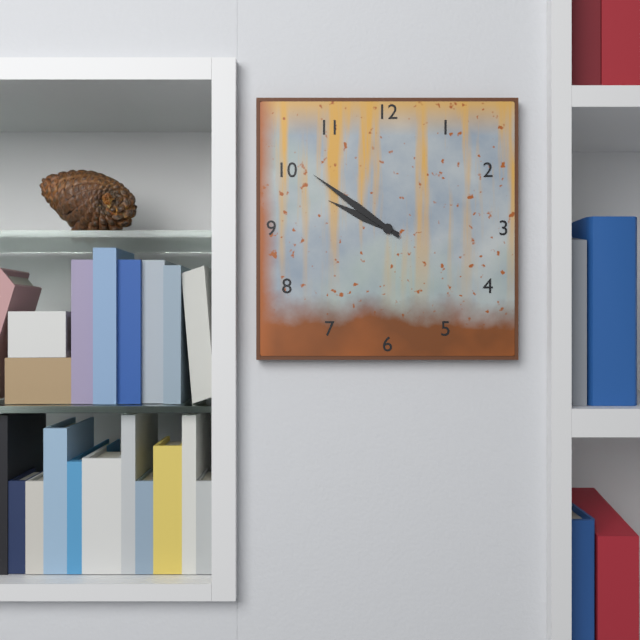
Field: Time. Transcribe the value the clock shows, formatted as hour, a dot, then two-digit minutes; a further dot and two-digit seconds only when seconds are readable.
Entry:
9.51
